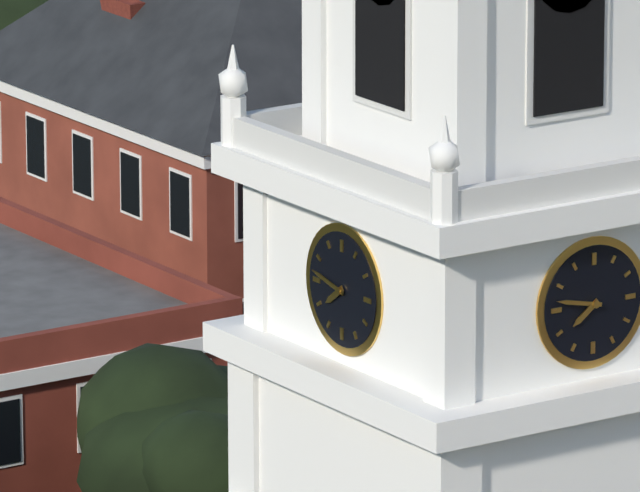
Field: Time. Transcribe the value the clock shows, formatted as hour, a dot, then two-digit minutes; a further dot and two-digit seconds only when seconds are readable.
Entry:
7.47
